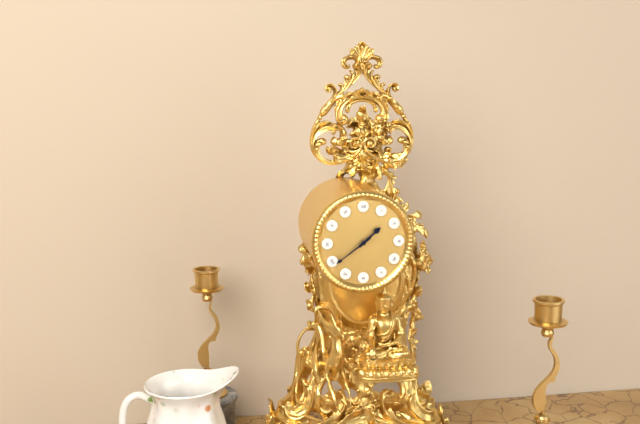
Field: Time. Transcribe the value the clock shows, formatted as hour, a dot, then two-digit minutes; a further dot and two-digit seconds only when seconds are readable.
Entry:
1.39
